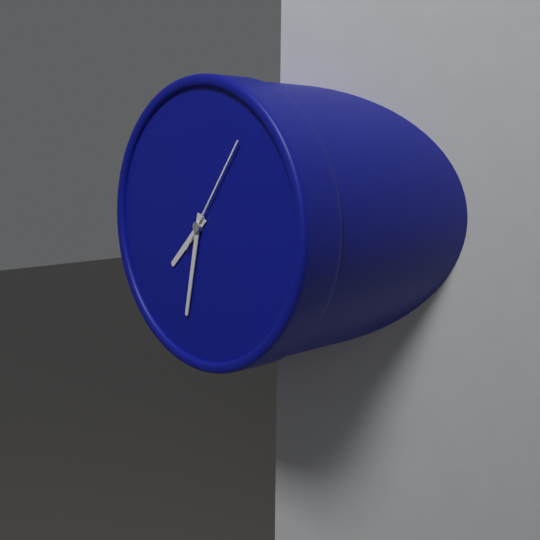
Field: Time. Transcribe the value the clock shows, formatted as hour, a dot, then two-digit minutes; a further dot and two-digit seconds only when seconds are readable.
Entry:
7.32.06
